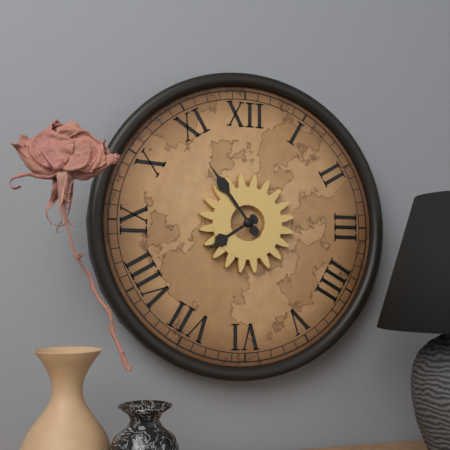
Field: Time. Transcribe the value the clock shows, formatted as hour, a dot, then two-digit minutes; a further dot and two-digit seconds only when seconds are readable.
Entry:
7.54
